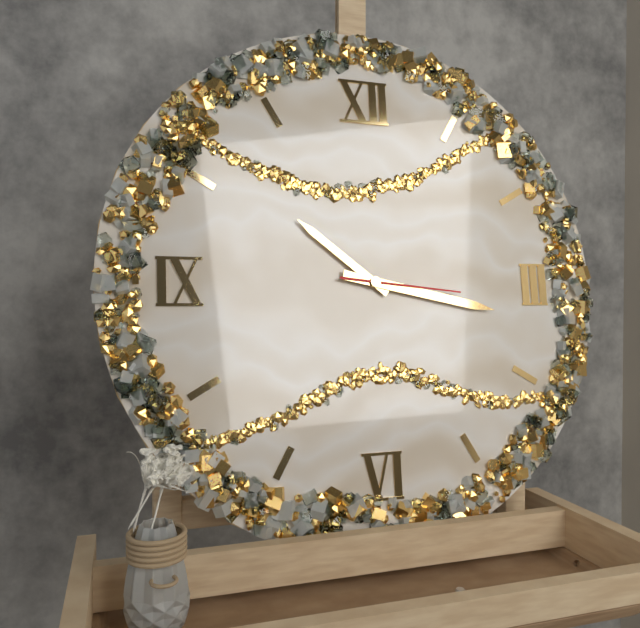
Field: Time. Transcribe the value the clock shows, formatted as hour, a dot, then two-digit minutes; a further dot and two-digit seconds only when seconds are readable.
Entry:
10.17.16
